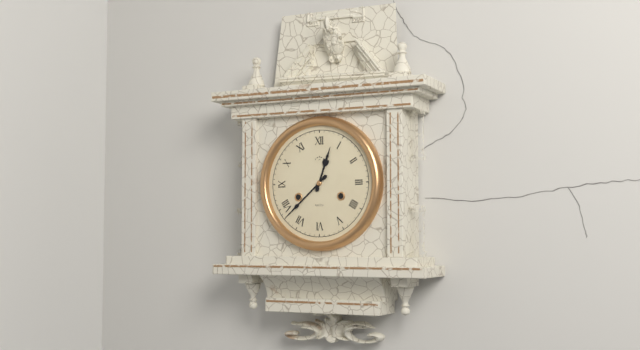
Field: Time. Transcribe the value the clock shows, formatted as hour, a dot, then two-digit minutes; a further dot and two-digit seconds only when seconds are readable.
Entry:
12.38
